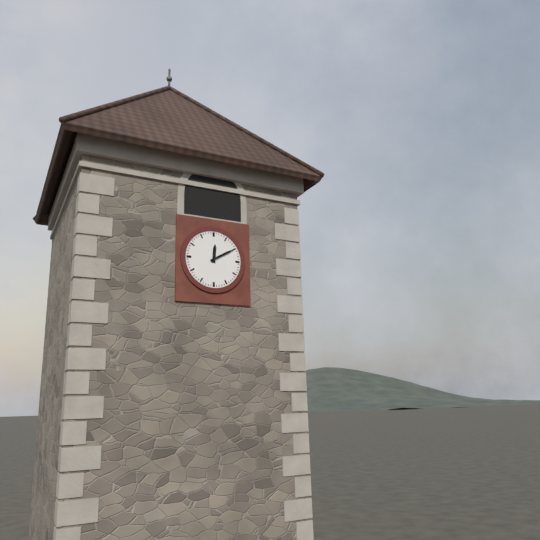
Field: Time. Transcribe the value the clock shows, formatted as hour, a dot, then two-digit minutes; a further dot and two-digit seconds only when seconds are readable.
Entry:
12.10
